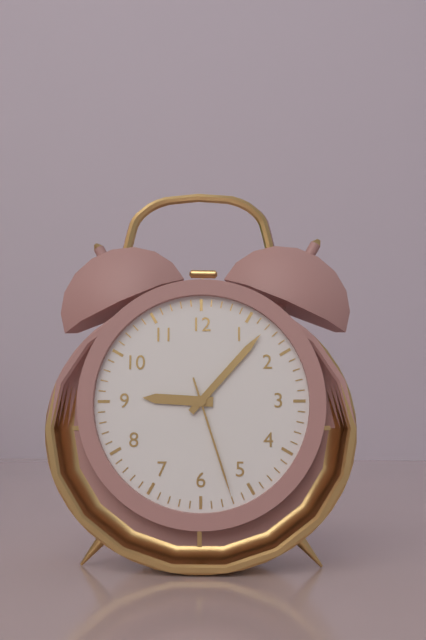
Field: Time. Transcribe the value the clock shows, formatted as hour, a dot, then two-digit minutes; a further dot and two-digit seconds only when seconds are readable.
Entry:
9.07.27
